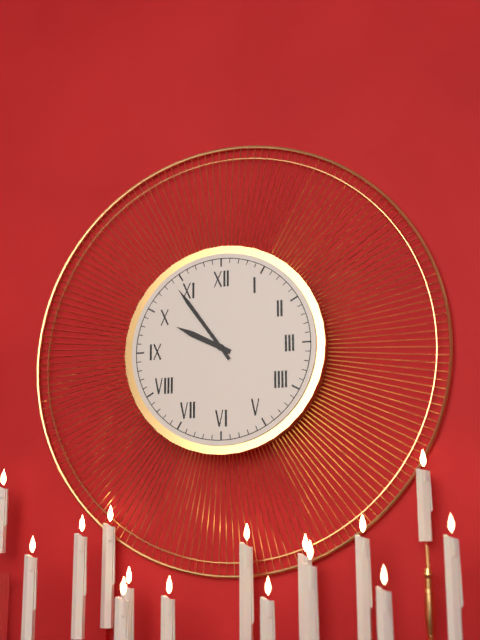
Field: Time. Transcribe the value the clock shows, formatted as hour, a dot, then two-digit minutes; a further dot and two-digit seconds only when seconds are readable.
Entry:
9.54
